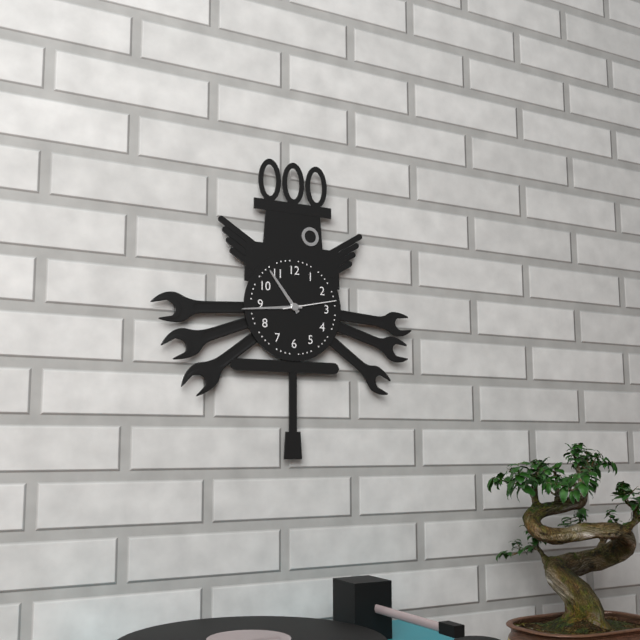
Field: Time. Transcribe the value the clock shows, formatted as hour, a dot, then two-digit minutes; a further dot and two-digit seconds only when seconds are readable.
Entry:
10.44.13
